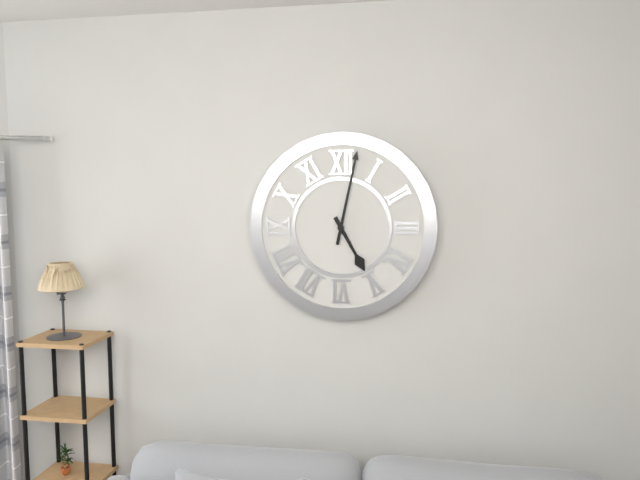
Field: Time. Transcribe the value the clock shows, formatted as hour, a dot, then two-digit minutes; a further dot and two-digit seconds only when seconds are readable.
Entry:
5.02
